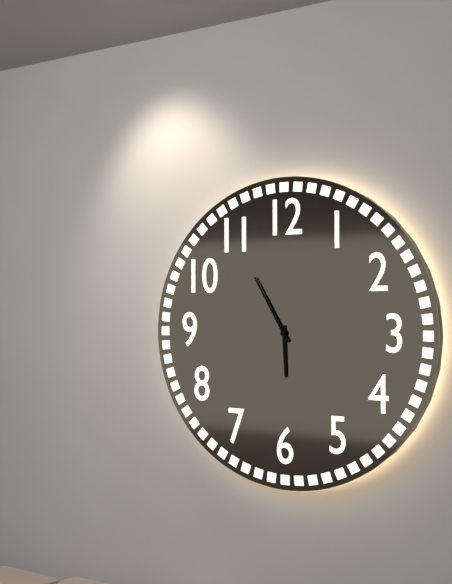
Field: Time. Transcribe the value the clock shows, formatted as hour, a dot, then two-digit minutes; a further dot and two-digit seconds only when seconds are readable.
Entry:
5.55
